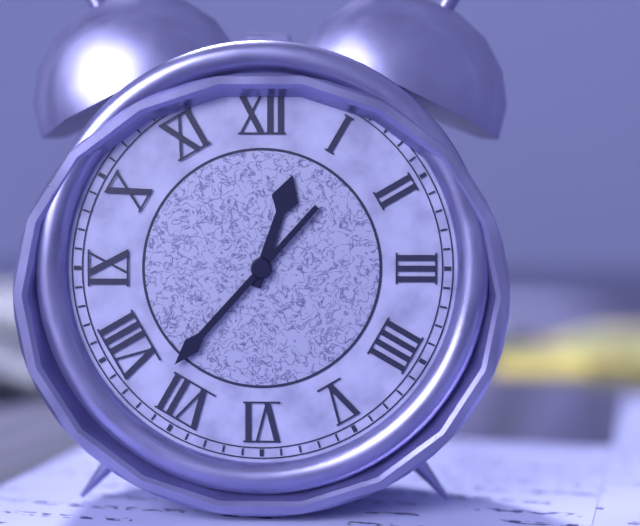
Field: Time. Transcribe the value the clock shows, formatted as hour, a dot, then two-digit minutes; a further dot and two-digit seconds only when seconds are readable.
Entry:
12.37
